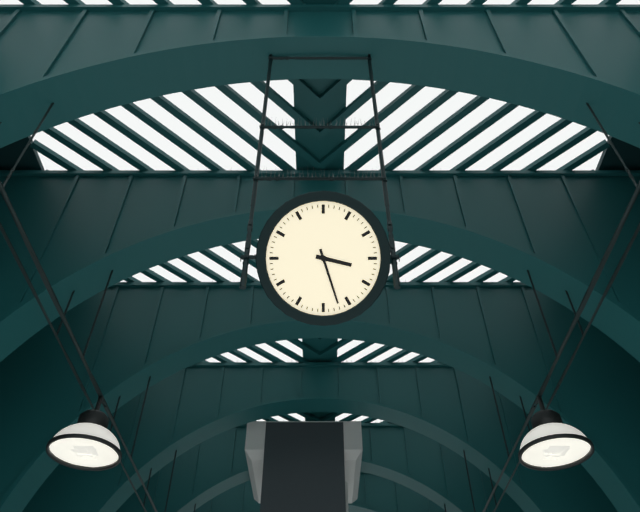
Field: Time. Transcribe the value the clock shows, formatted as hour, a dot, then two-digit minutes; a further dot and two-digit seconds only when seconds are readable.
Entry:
3.27
